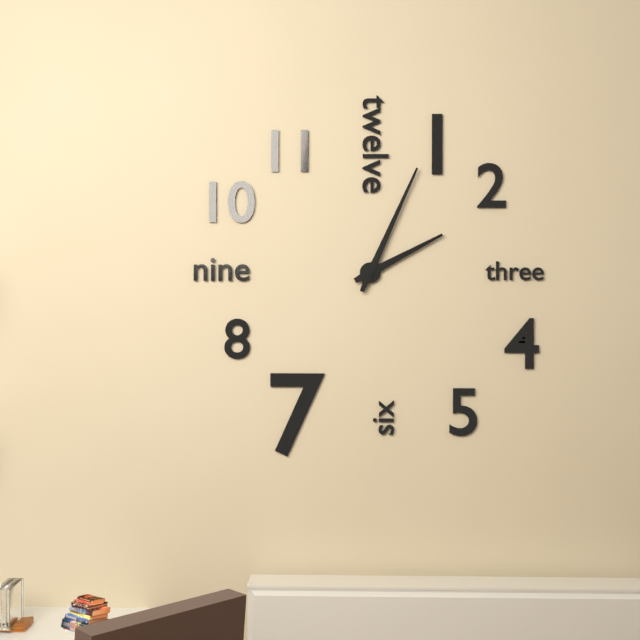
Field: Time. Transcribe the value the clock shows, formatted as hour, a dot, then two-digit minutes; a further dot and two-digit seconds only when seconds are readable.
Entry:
2.04
